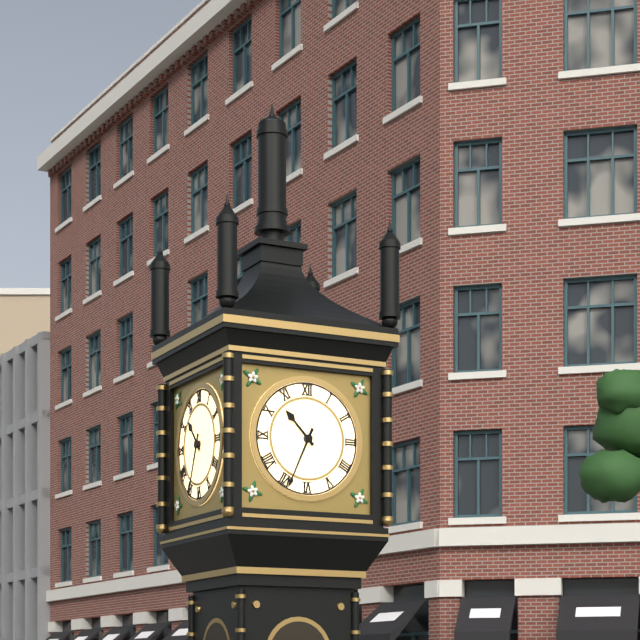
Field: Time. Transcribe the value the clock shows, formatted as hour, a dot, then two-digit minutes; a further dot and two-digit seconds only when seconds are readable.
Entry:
10.34
